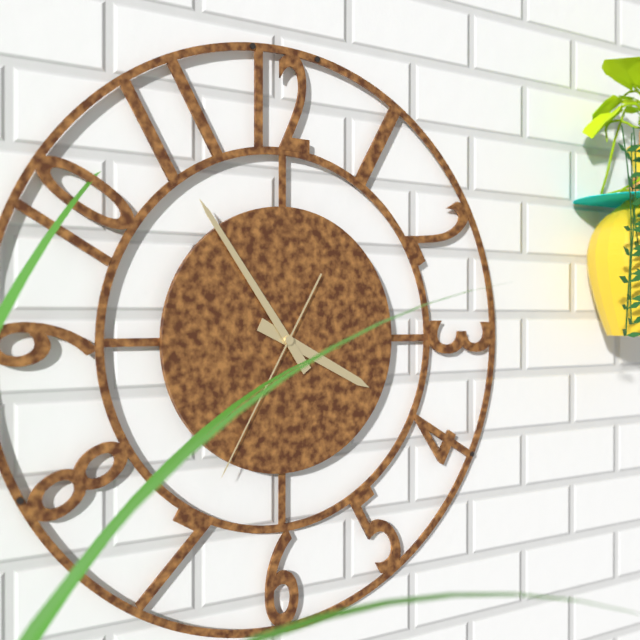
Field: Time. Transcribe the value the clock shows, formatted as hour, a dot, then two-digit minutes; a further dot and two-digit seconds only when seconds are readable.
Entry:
3.54.35
